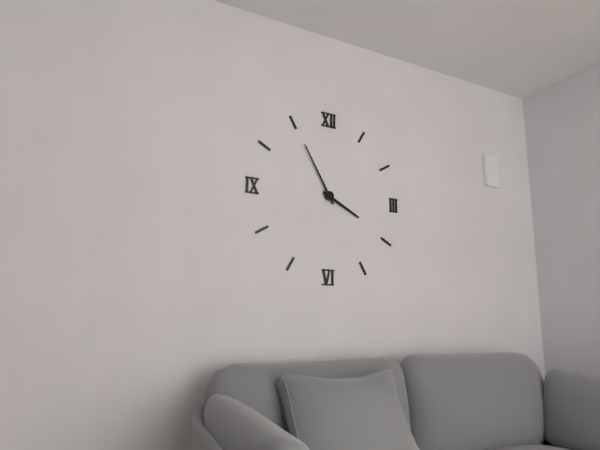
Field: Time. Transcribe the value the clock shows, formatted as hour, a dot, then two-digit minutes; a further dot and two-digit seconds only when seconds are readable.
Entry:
3.55
